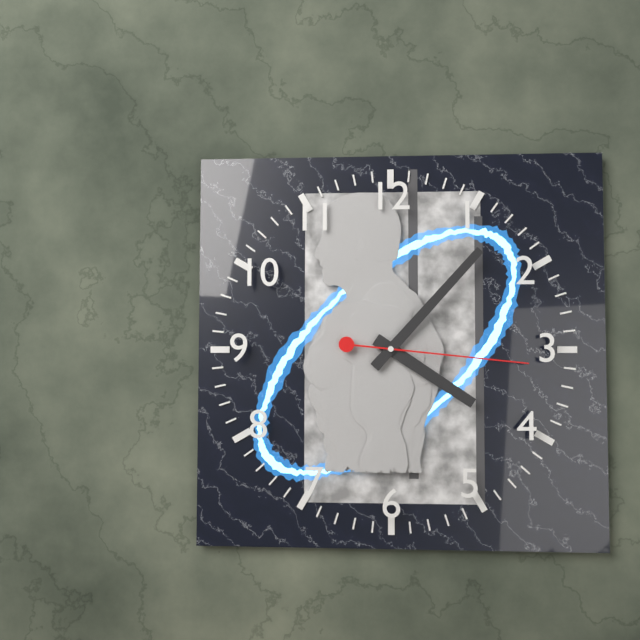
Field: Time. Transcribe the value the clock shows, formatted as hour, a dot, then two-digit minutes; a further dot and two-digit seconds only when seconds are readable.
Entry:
4.07.16
